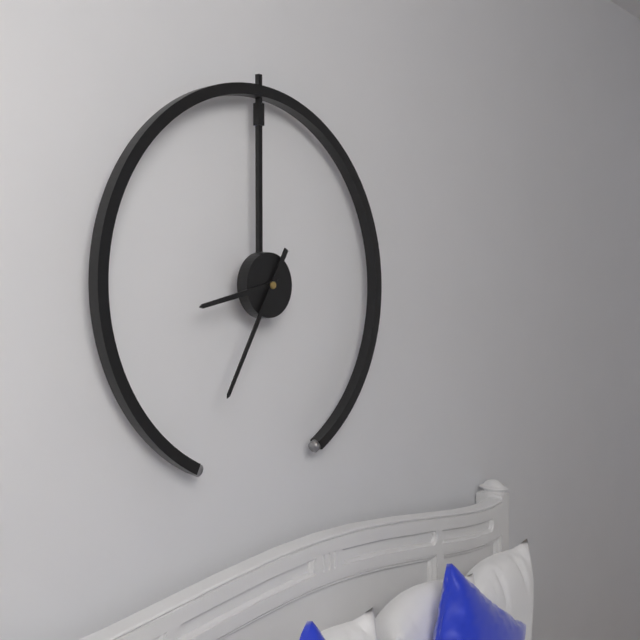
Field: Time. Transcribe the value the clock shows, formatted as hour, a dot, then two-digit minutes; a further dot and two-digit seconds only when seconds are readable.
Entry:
8.35
